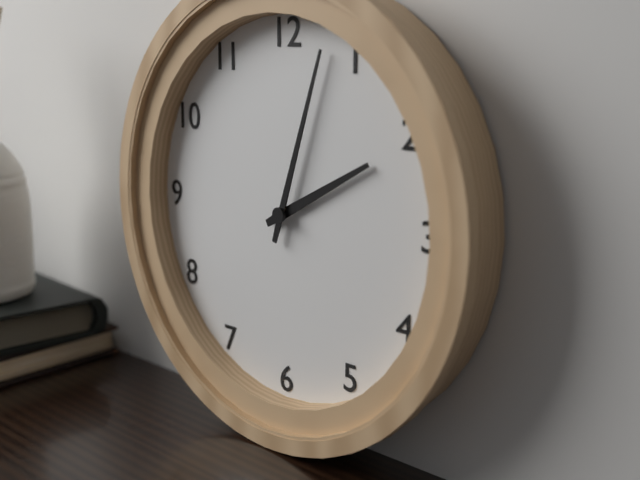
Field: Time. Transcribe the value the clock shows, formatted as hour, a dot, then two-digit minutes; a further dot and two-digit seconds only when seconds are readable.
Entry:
2.03
